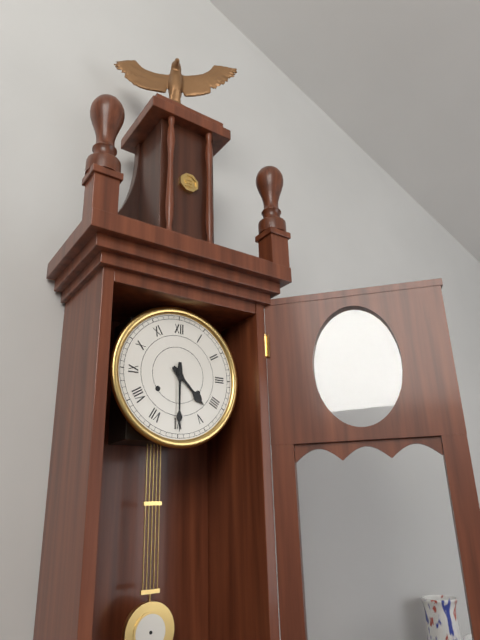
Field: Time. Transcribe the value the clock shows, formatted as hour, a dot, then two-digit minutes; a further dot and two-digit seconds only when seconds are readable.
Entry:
4.30
